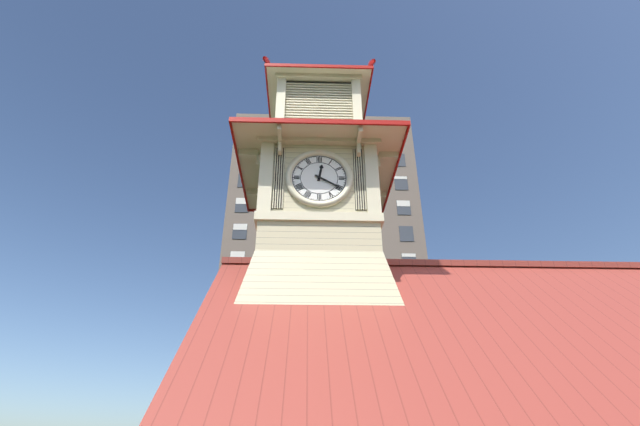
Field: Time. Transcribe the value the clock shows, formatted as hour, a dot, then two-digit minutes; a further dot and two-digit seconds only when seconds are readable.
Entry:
12.20
